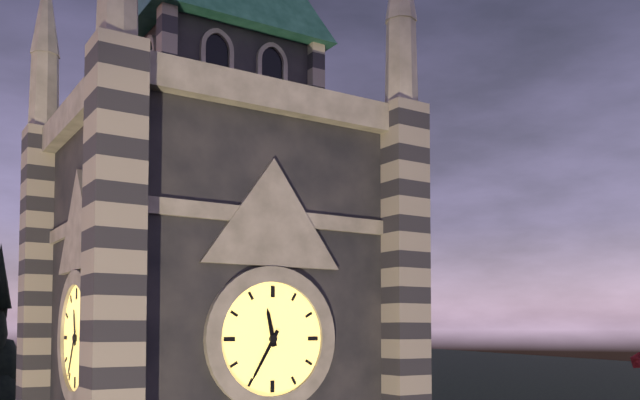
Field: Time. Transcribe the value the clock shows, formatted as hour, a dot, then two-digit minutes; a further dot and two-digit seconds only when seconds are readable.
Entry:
11.35
